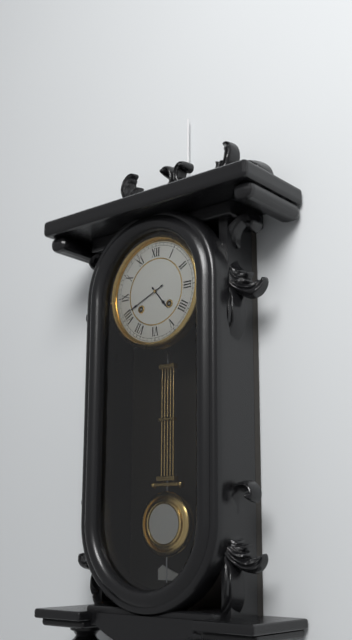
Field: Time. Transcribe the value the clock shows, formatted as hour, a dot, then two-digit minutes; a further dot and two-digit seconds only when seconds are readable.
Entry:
4.41
